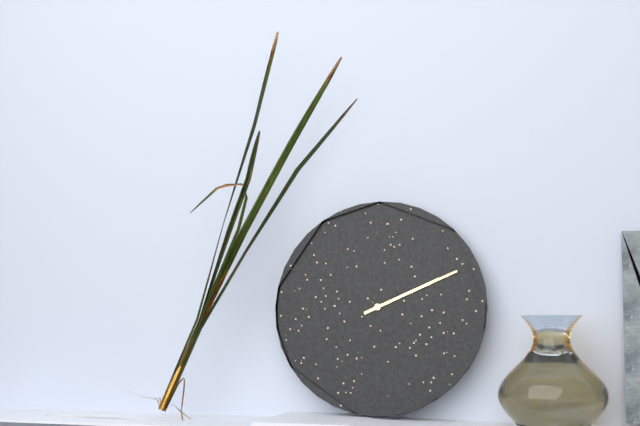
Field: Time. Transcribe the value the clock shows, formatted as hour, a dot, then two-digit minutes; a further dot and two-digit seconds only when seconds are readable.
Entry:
2.11
